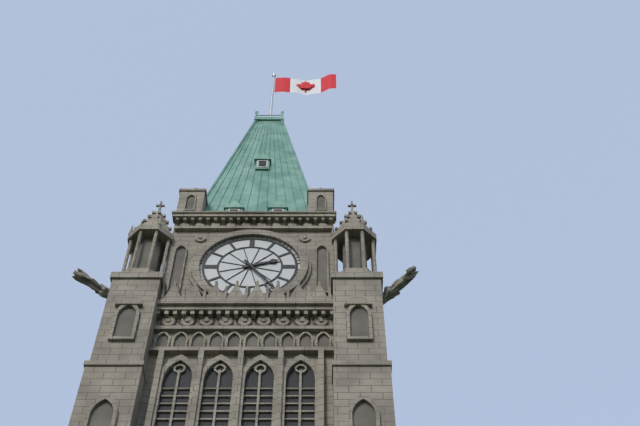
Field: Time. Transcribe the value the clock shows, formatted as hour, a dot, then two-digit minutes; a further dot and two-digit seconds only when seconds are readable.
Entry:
2.24
